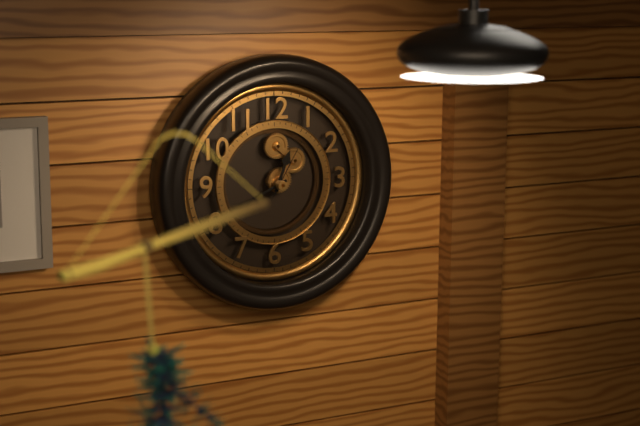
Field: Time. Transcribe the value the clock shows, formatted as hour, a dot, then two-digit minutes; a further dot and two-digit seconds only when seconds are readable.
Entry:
12.41.05
